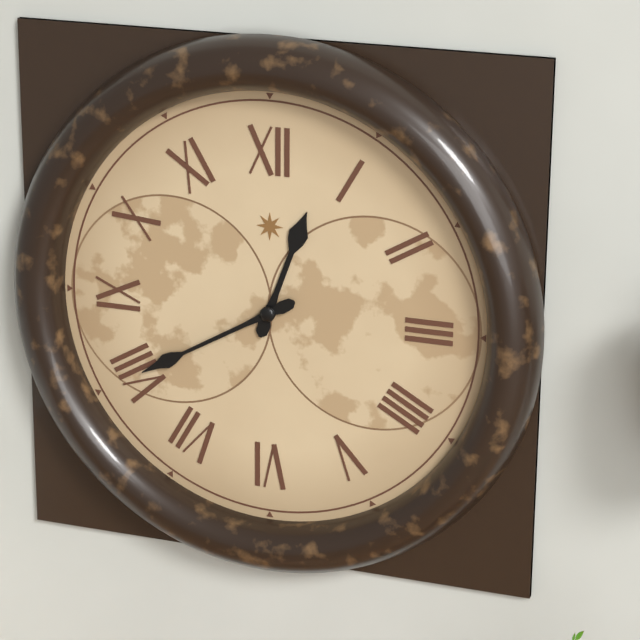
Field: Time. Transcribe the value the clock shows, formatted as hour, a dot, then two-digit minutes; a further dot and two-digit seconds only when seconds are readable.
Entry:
12.40
